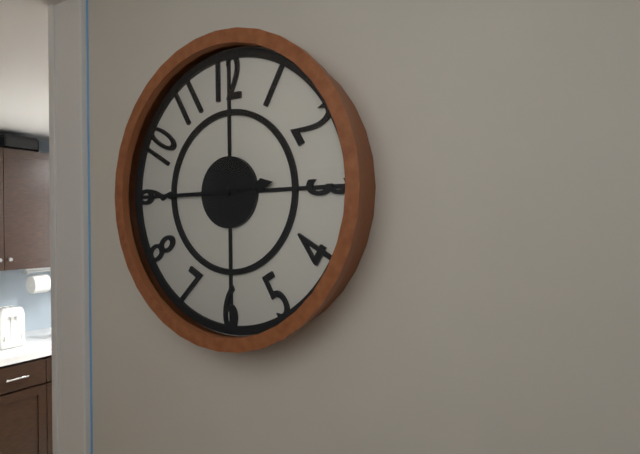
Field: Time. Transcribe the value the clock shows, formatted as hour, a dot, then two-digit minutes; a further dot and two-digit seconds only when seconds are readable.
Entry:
2.45
